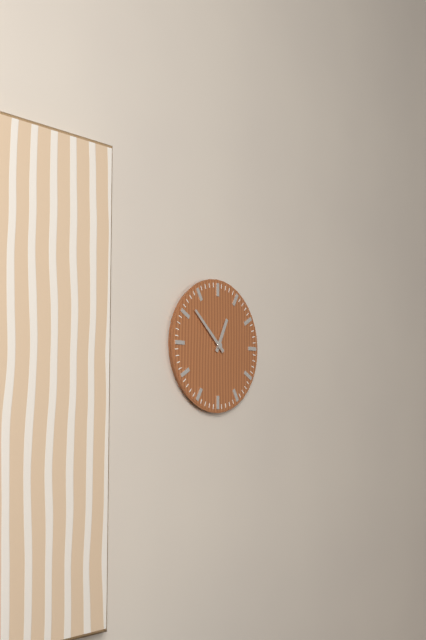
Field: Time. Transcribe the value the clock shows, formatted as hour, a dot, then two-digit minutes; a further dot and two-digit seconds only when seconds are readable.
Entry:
12.52
